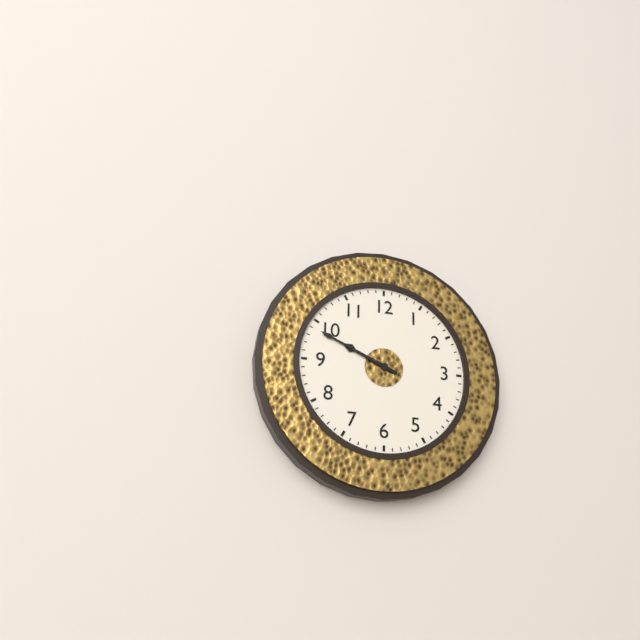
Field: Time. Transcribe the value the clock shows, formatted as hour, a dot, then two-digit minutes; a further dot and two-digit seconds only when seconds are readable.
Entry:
9.49
